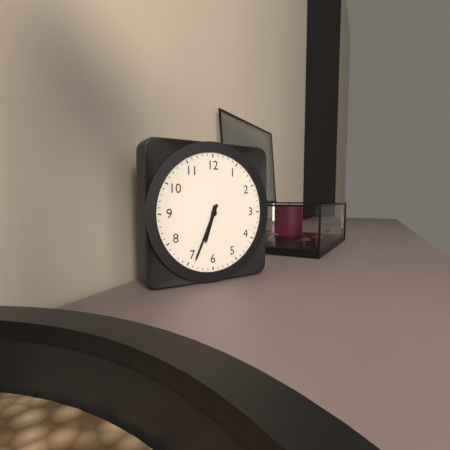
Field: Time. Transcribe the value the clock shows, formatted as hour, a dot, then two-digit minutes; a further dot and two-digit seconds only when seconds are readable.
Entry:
6.34
